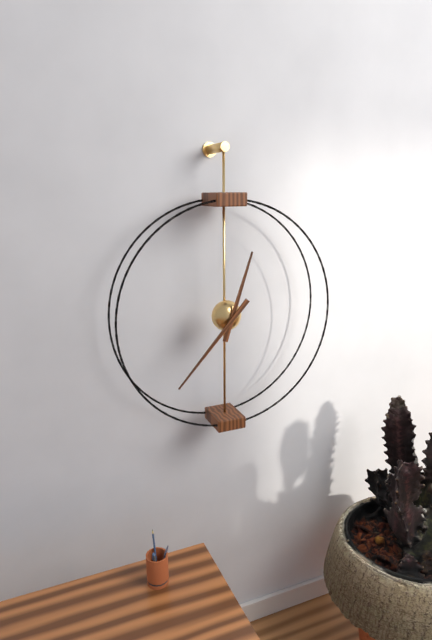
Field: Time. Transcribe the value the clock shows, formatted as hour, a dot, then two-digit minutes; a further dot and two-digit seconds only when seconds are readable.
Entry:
12.37
